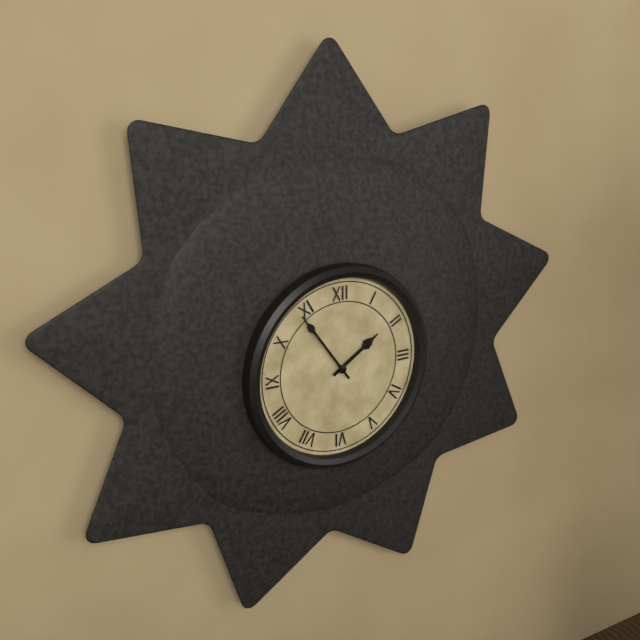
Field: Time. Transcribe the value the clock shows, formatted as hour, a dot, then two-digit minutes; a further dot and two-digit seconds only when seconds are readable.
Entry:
1.54
